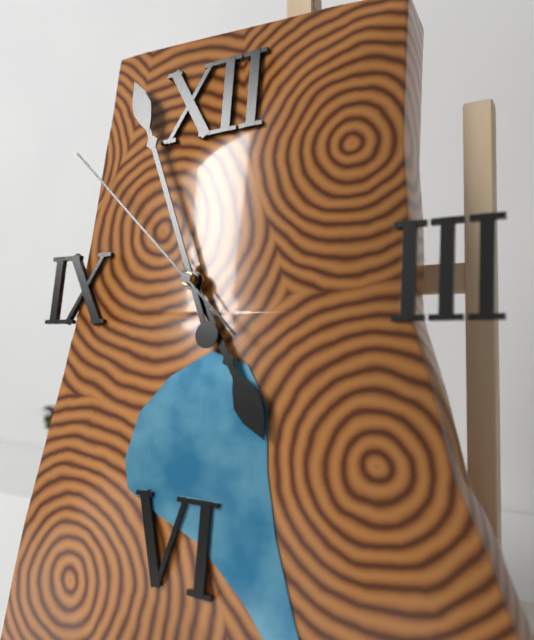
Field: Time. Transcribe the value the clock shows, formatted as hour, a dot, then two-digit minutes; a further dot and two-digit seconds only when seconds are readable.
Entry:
4.56.52
